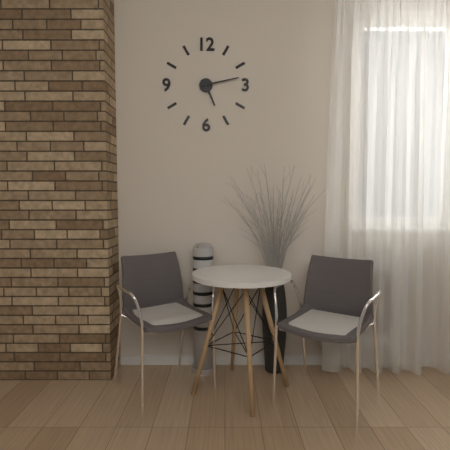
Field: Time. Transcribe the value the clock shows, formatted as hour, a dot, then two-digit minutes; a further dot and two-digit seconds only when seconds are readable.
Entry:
5.13
